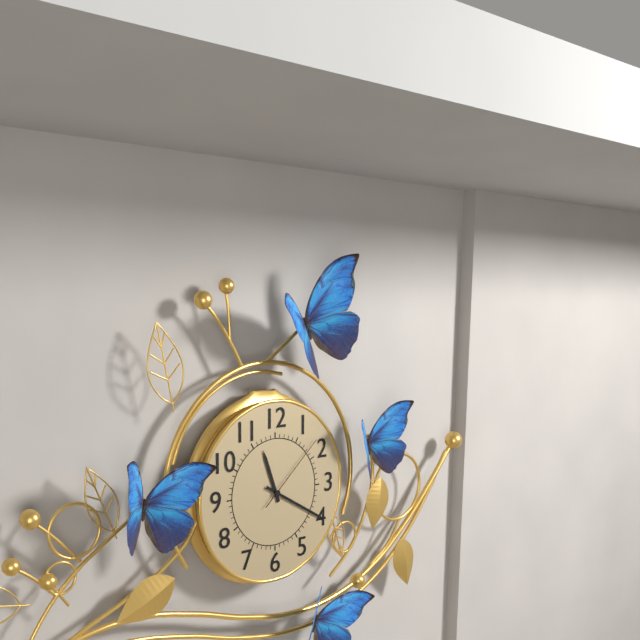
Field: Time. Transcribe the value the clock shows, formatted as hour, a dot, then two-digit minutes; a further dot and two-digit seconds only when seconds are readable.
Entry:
11.20.08
